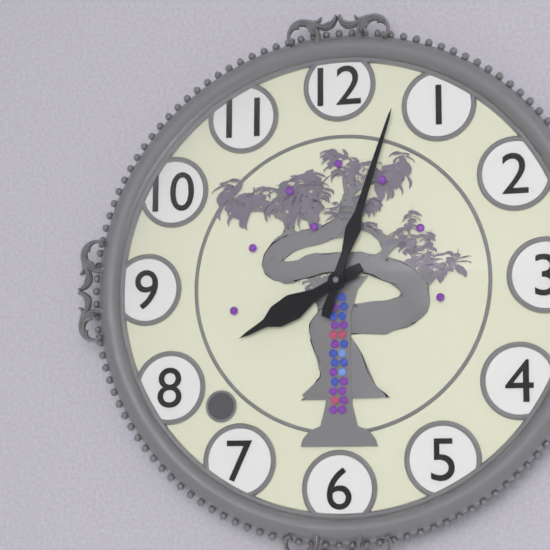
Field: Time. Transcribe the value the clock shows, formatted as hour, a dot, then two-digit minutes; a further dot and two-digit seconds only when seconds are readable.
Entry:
8.03
